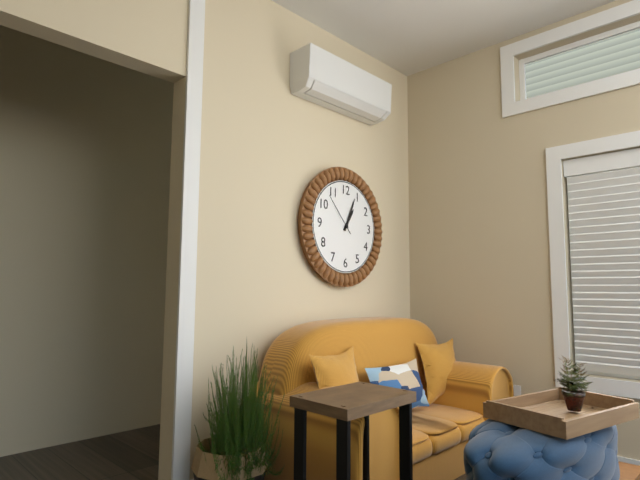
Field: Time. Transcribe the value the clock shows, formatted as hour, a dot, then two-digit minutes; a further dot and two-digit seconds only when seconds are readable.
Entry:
1.04
